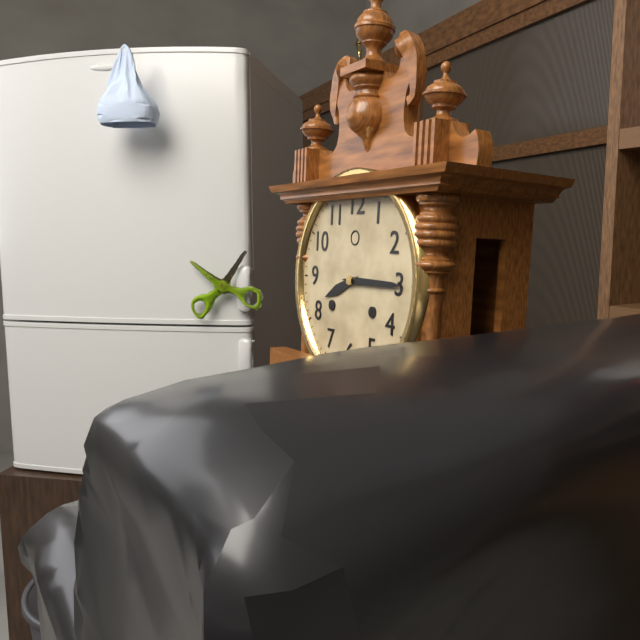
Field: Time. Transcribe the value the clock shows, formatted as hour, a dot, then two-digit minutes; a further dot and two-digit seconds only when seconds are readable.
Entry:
8.15
